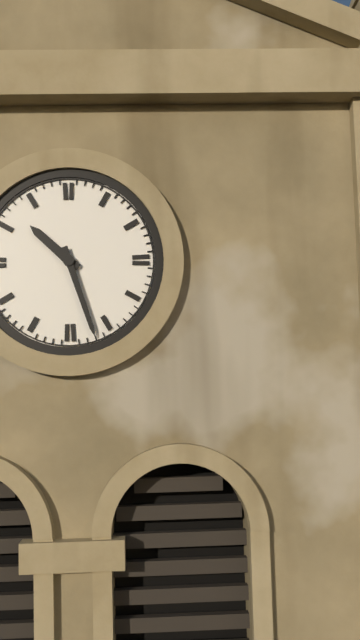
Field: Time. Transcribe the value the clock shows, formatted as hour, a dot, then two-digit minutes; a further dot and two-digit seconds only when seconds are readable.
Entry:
10.27
